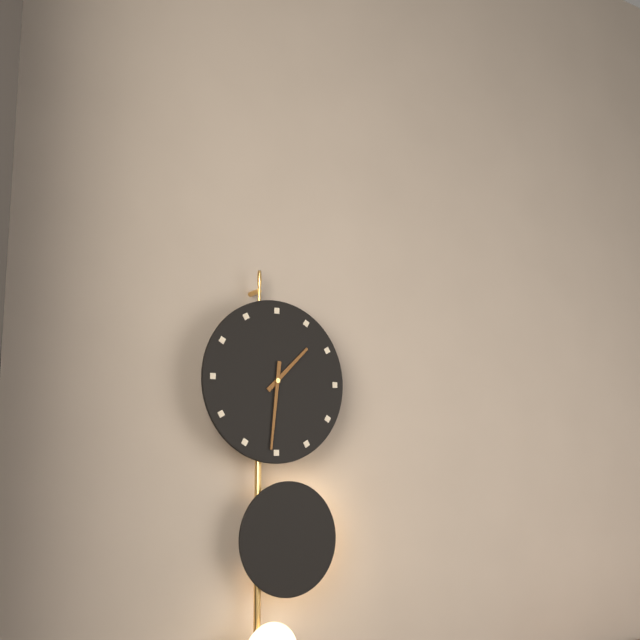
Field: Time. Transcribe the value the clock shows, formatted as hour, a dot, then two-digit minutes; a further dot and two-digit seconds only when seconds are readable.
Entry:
1.31
